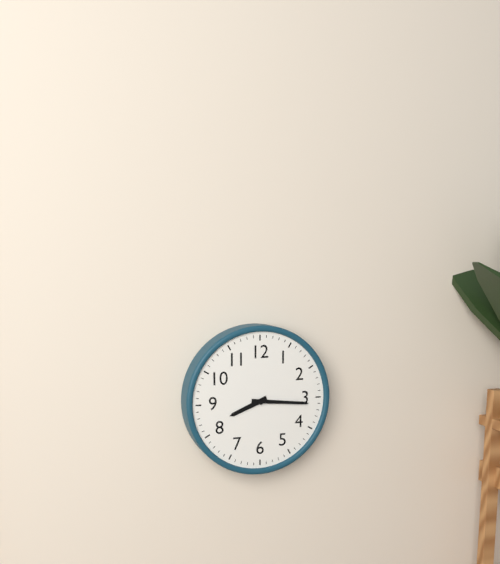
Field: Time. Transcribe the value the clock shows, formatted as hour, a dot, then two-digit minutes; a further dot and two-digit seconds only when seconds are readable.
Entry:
8.16
